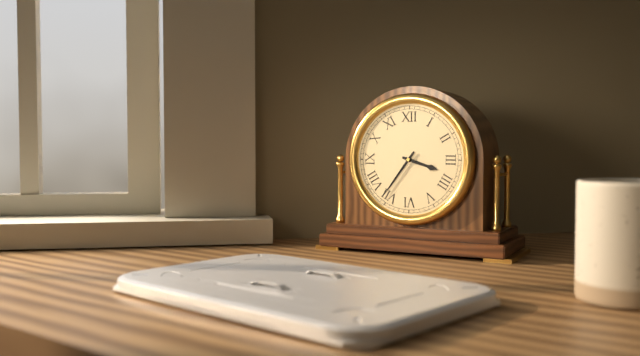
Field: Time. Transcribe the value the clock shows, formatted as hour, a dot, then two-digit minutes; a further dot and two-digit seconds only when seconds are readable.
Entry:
3.36
